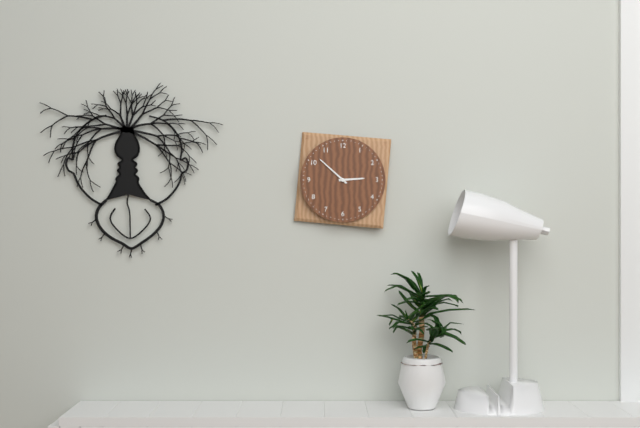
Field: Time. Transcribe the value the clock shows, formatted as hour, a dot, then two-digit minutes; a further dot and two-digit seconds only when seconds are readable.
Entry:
2.52
